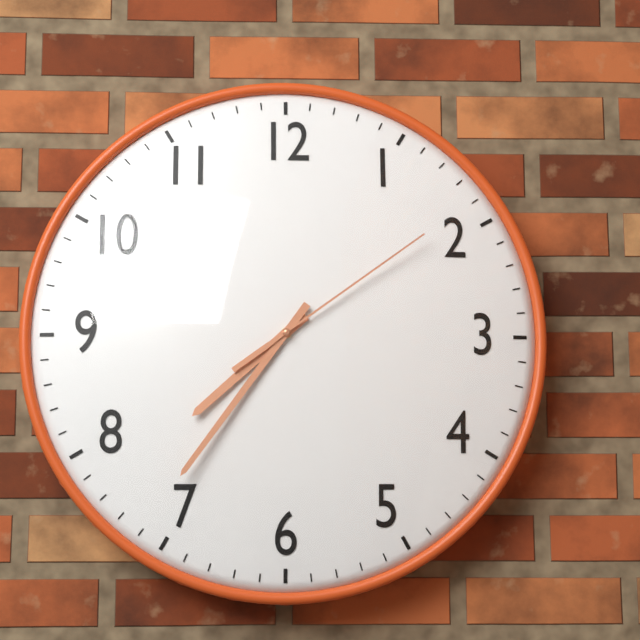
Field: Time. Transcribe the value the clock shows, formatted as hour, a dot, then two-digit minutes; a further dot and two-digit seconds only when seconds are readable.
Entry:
7.36.09
